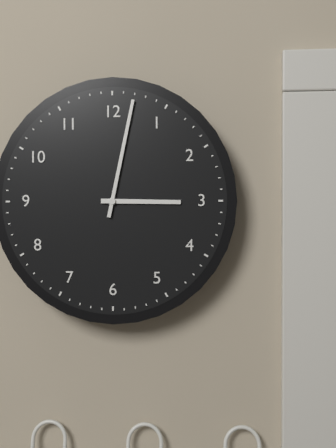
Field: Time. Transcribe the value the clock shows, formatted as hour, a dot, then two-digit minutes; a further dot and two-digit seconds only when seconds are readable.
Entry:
3.02
